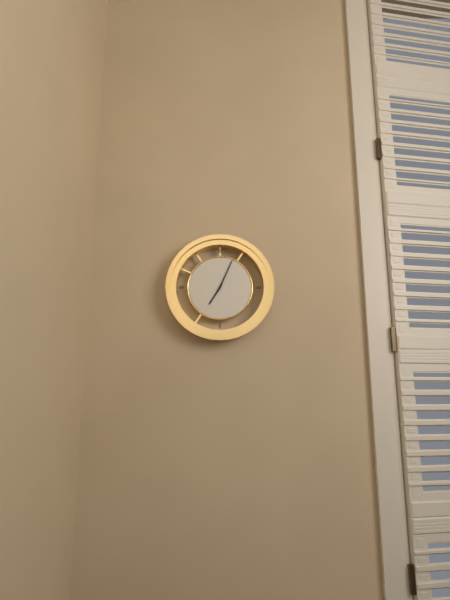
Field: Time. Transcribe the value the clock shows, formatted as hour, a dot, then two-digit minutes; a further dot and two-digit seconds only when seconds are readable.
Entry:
7.04
